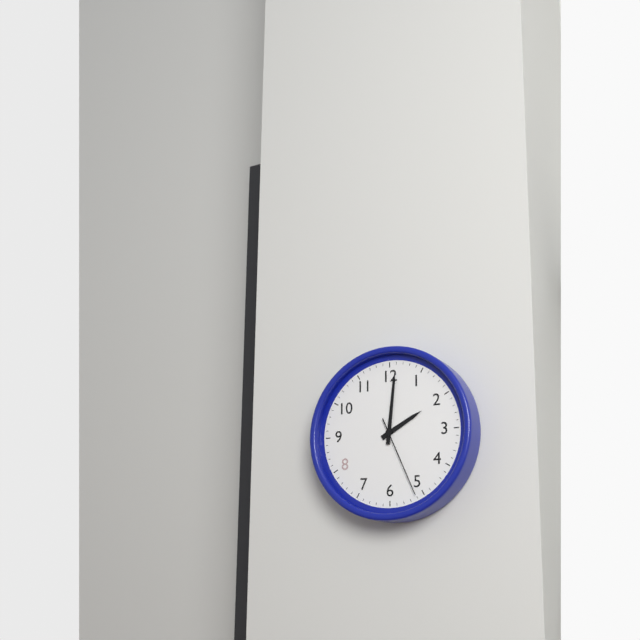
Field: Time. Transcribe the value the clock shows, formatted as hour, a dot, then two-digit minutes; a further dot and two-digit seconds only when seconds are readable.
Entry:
2.01.26
